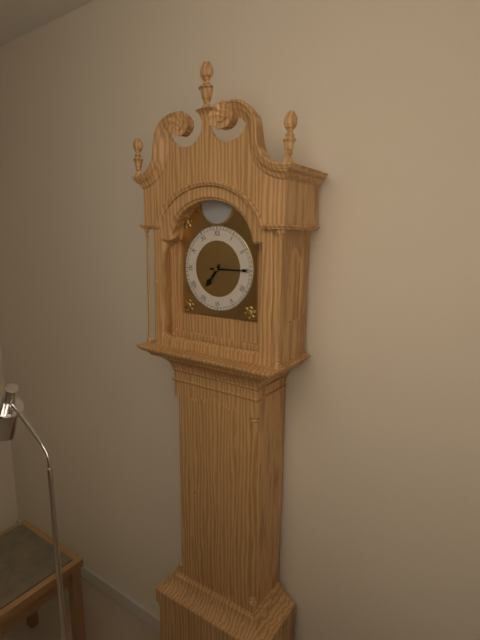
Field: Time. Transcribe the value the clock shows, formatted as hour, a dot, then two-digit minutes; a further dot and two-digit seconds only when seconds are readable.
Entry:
7.15
